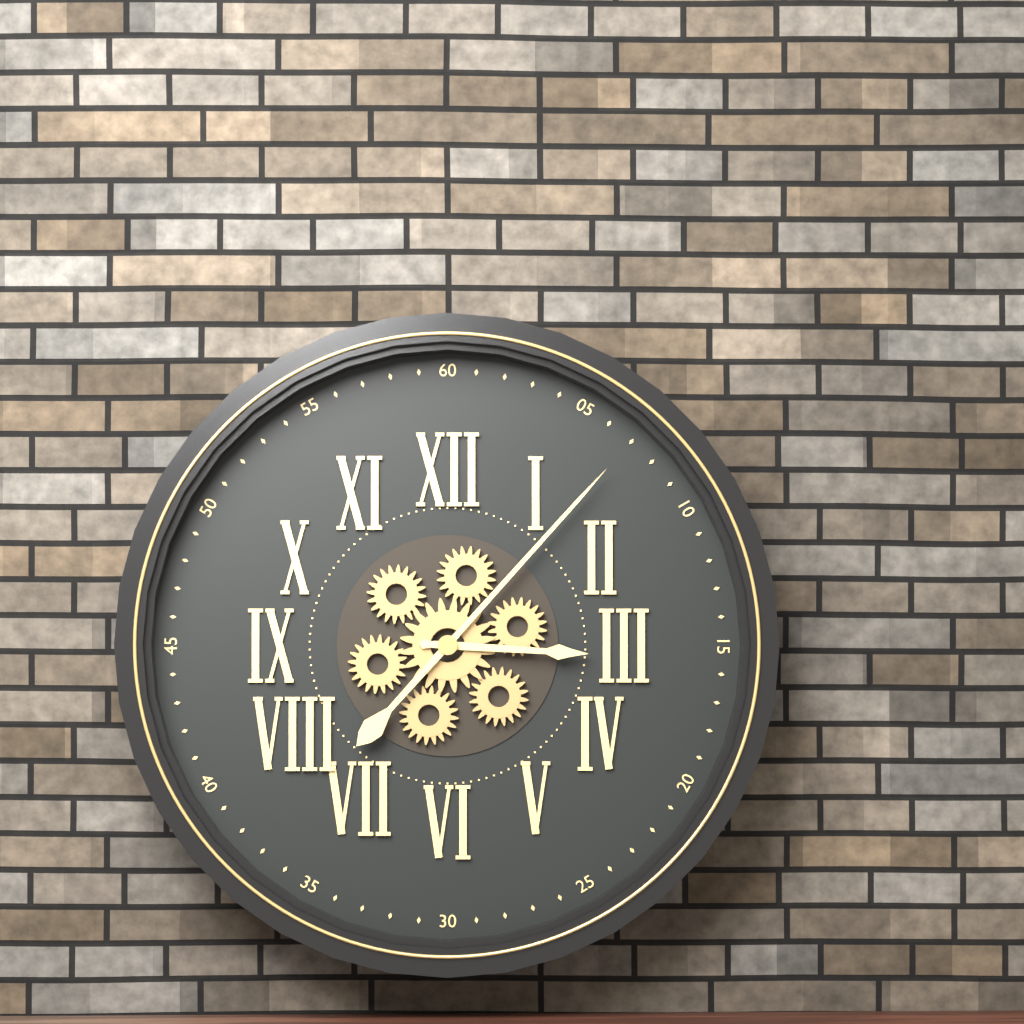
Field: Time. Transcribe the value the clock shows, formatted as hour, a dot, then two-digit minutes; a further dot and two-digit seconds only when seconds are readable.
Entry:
3.07
